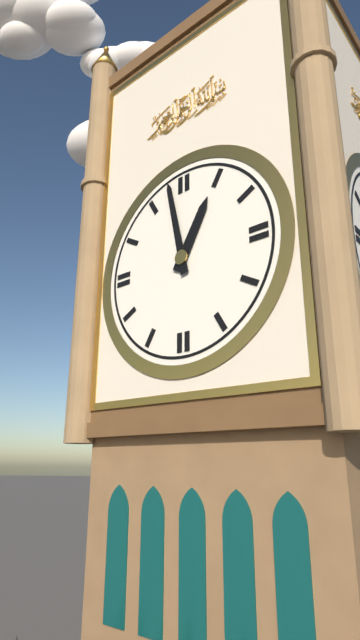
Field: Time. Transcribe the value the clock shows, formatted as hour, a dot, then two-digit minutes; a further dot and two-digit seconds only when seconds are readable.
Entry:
12.58
